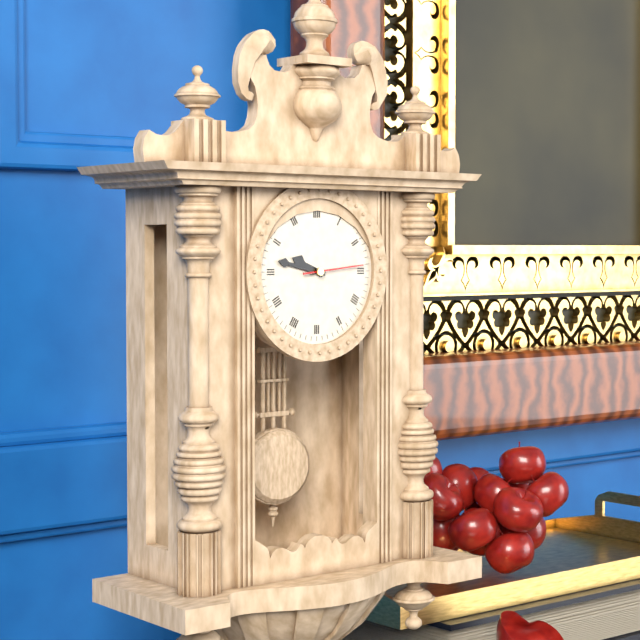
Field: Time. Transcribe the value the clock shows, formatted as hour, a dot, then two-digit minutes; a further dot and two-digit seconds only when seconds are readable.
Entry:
9.47.14
